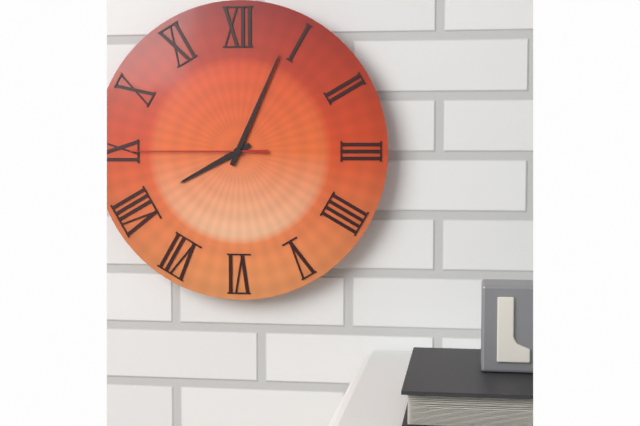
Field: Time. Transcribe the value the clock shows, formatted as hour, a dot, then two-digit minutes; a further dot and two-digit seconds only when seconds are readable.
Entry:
8.04.45
